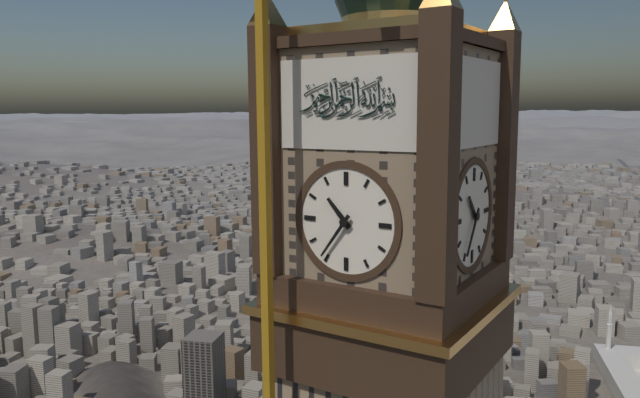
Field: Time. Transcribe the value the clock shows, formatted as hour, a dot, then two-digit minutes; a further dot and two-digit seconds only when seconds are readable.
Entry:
10.36
